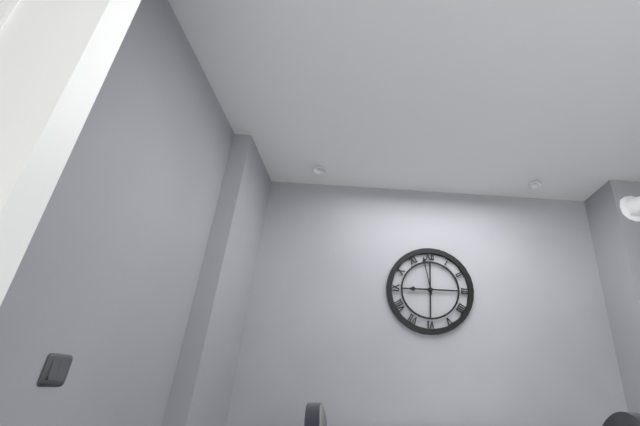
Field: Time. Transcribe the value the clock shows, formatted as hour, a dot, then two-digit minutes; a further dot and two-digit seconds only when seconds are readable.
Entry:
8.58
